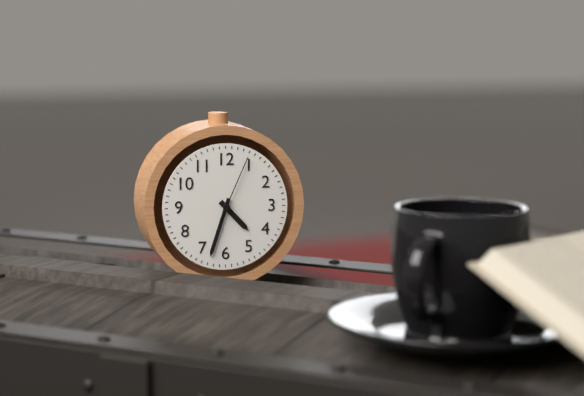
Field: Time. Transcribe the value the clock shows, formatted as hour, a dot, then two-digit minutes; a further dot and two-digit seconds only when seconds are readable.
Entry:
4.33.04
